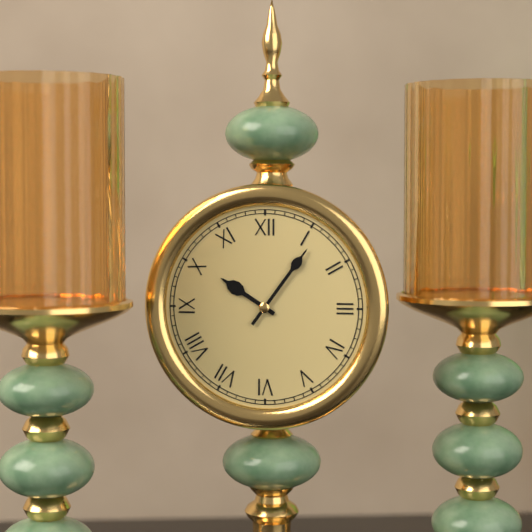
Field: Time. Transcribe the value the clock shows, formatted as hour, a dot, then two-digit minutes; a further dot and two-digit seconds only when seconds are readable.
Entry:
10.06
